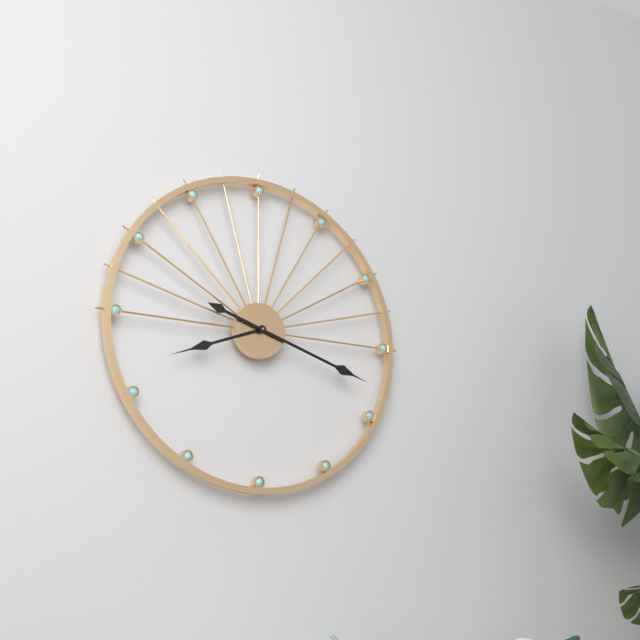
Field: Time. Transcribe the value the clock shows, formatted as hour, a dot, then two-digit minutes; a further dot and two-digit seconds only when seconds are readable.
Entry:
8.18
